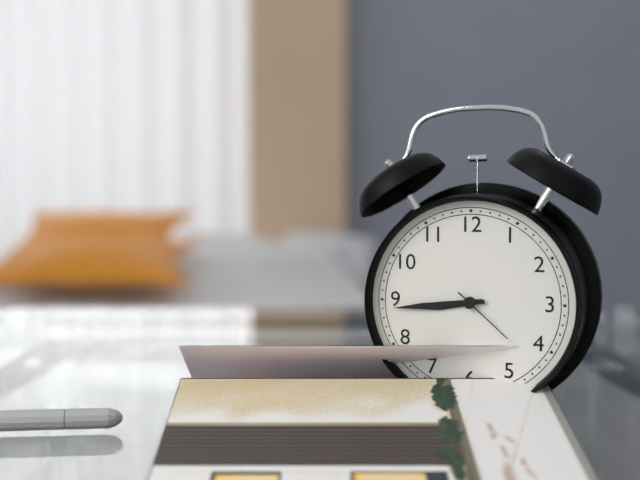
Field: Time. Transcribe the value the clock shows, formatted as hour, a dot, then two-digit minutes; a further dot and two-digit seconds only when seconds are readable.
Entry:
8.44.22
